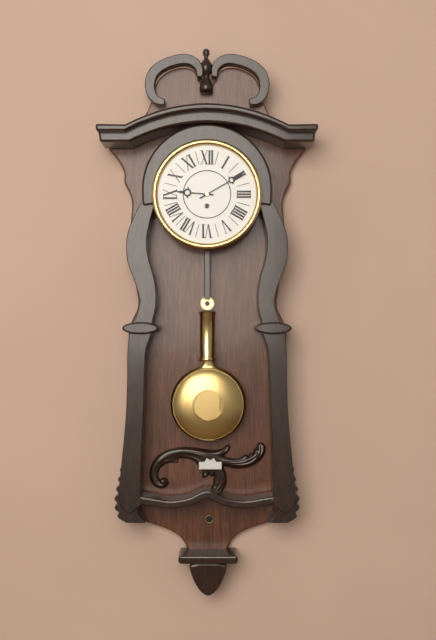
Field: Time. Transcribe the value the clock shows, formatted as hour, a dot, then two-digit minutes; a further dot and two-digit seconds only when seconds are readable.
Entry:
9.10
